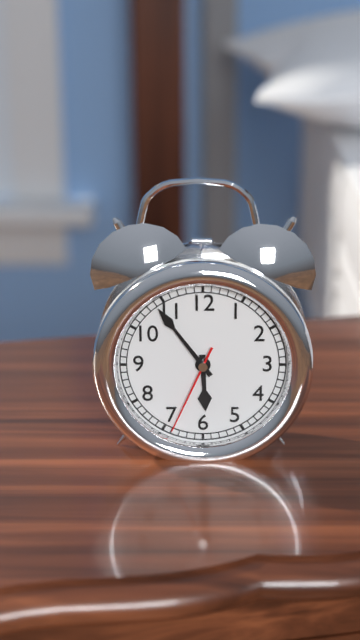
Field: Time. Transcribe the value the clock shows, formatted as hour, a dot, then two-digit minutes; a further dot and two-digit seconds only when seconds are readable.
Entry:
5.54.34
